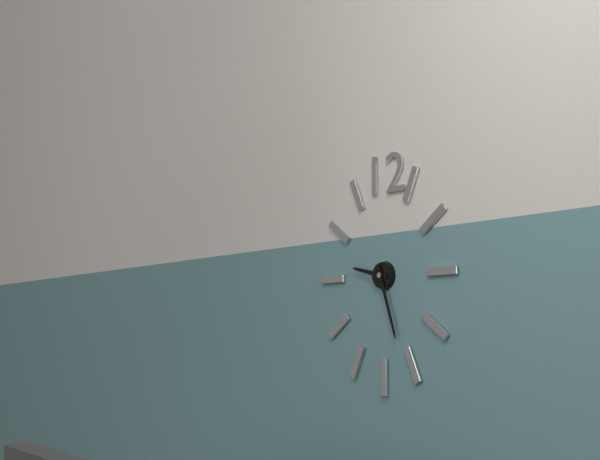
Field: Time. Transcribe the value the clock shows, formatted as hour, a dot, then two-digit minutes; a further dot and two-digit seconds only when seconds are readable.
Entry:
9.27
